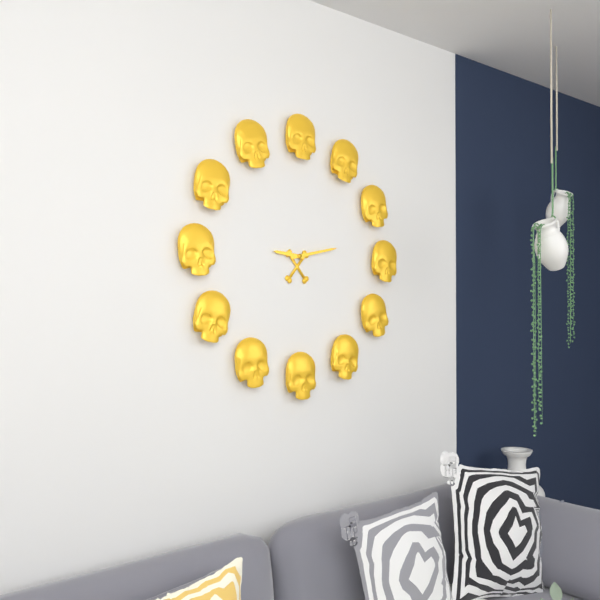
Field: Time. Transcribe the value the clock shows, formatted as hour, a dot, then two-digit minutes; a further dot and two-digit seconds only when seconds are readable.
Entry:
9.13
